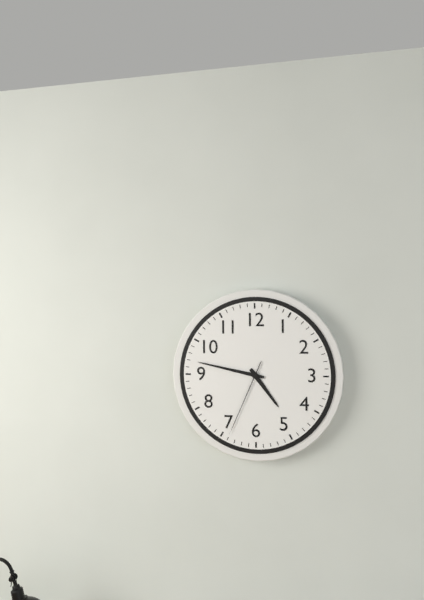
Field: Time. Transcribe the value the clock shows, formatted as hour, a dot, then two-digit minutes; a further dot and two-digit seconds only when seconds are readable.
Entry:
4.47.34
